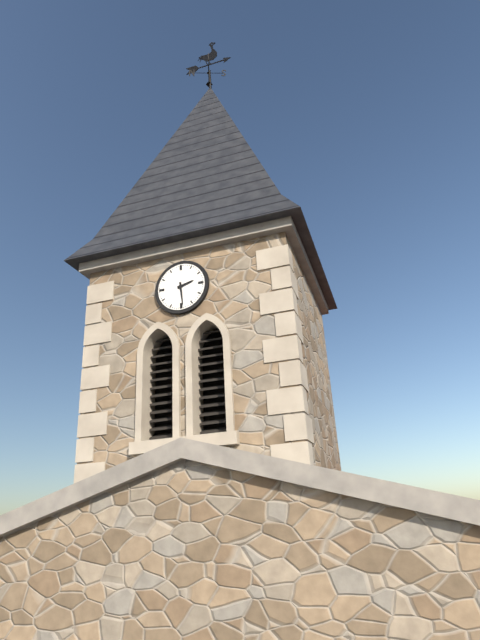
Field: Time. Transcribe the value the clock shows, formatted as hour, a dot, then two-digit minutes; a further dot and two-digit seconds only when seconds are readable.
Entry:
2.29
